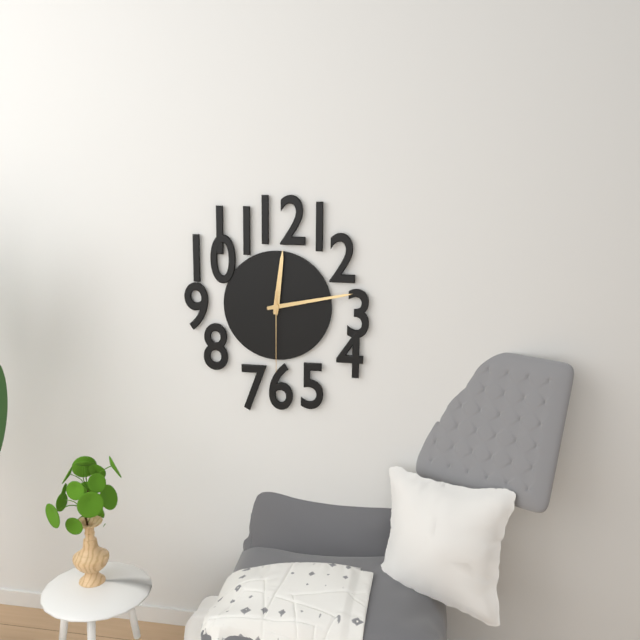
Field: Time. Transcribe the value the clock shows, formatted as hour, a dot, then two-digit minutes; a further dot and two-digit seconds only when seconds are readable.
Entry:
12.13.30
